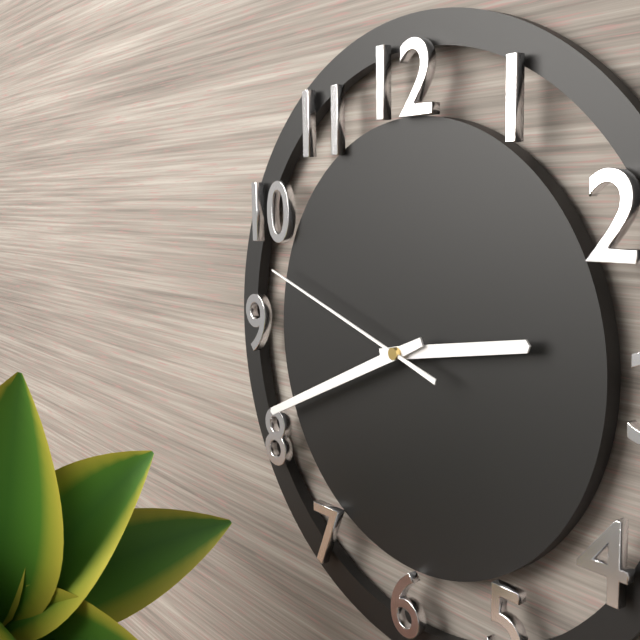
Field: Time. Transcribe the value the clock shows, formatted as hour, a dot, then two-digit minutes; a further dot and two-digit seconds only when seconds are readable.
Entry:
2.41.48
